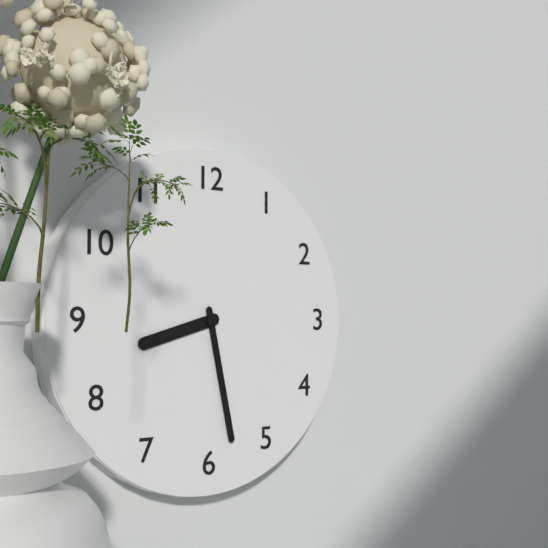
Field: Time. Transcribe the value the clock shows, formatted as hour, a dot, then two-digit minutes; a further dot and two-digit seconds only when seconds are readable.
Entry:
8.28
